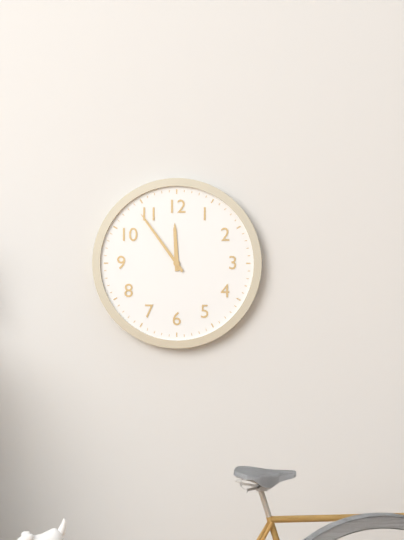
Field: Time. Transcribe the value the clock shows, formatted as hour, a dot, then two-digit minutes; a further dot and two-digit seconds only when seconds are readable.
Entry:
11.54
